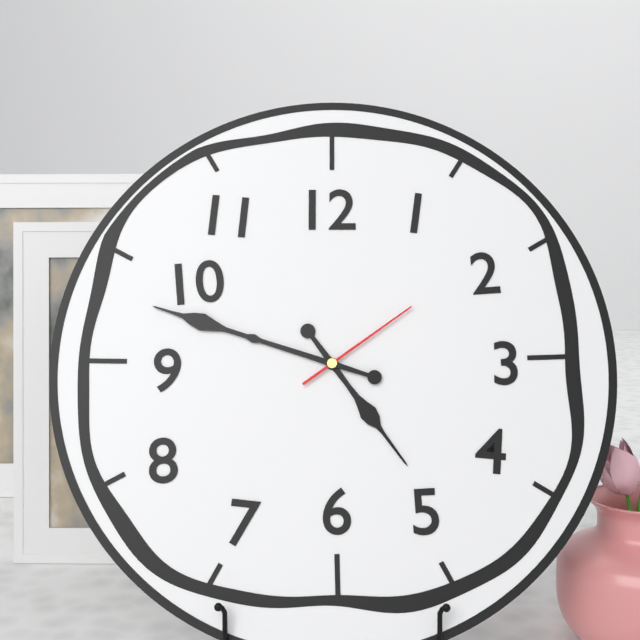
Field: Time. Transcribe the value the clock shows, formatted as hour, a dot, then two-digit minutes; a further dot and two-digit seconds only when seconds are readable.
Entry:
4.48.09
